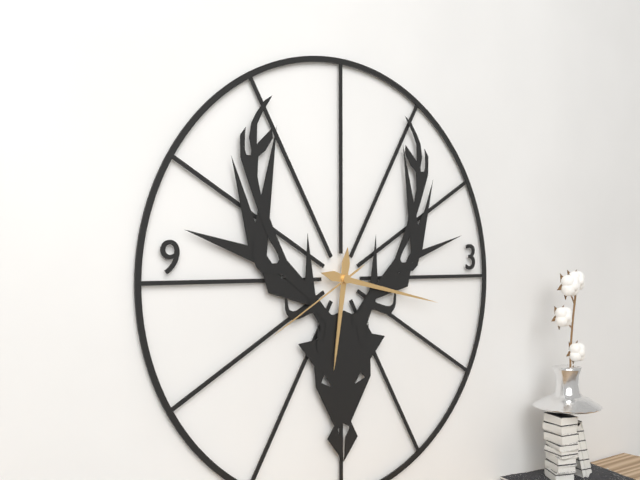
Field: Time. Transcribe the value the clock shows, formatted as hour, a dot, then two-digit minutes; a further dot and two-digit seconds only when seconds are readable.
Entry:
6.17.40
